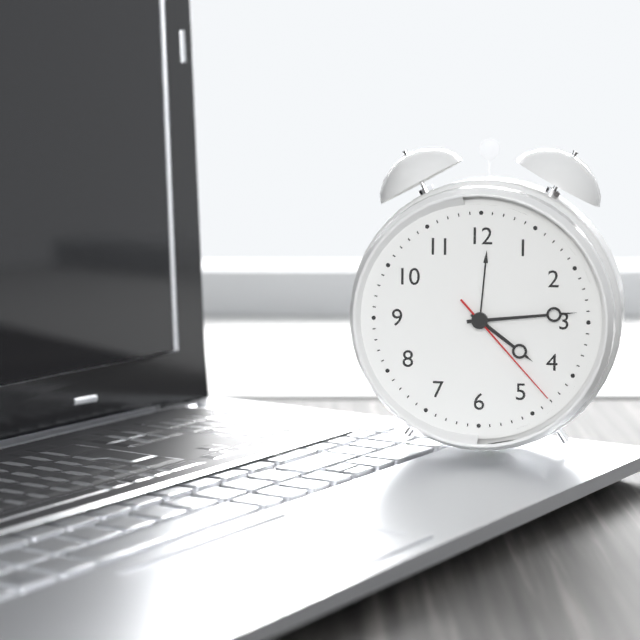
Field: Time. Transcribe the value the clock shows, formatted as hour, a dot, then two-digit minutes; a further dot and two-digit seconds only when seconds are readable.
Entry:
4.14.23
